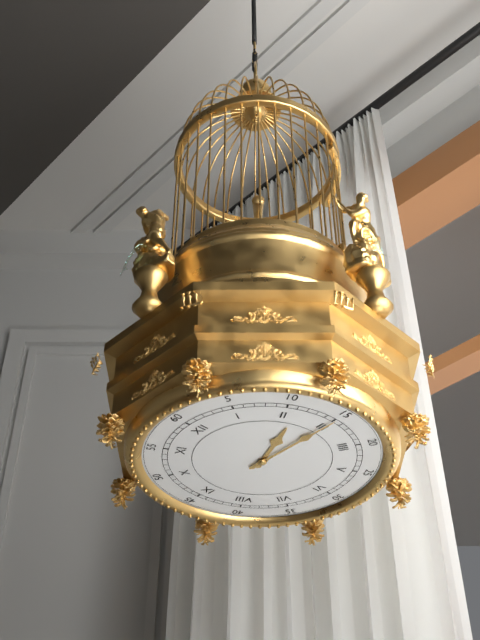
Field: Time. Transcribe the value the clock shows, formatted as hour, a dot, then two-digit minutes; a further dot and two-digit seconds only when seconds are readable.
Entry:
2.15
